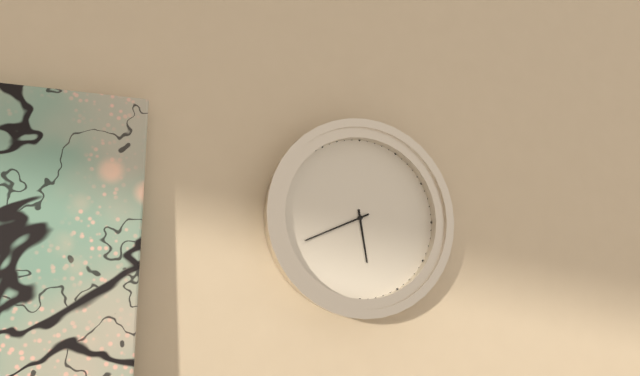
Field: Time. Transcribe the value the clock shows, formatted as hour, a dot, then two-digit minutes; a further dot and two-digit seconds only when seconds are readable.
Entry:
5.41
